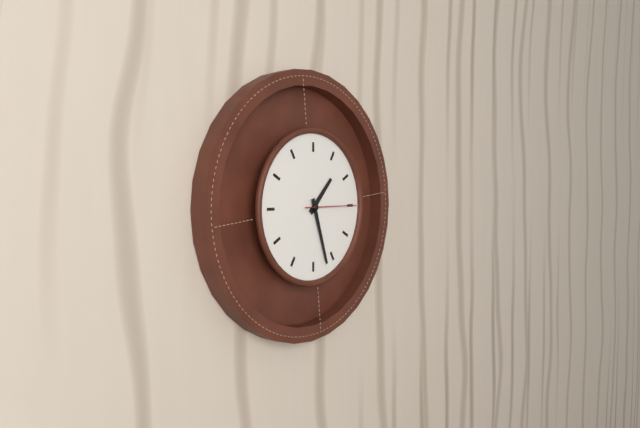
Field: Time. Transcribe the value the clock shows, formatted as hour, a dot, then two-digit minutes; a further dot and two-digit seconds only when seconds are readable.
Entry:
1.27.15
